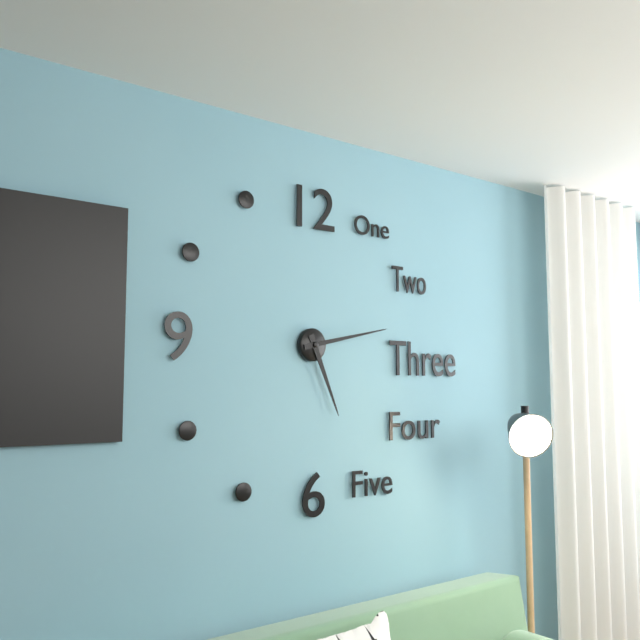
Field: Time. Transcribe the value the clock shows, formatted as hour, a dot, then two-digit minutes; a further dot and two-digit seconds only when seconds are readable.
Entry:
5.13
